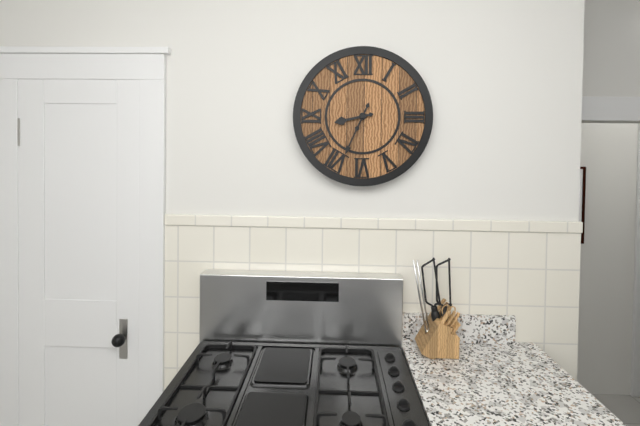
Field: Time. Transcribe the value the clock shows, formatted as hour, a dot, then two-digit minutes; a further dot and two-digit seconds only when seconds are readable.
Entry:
8.34
